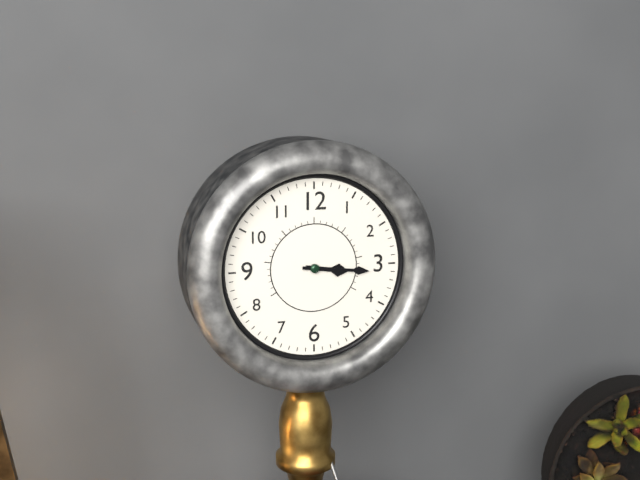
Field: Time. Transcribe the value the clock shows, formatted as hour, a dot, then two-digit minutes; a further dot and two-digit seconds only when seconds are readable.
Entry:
3.16
